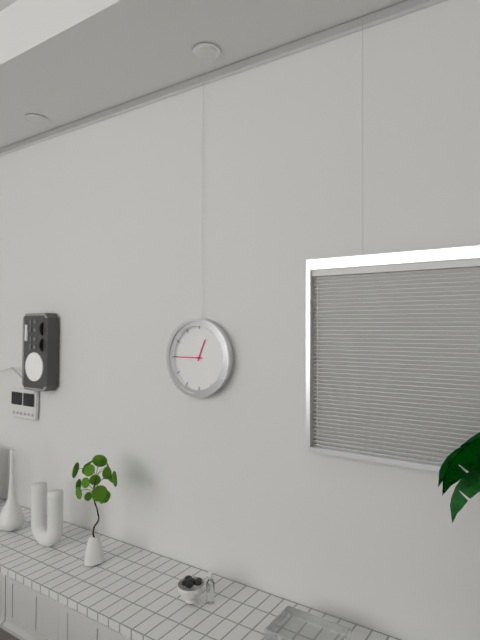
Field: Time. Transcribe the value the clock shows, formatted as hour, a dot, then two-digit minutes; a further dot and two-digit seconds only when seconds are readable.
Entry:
12.45
